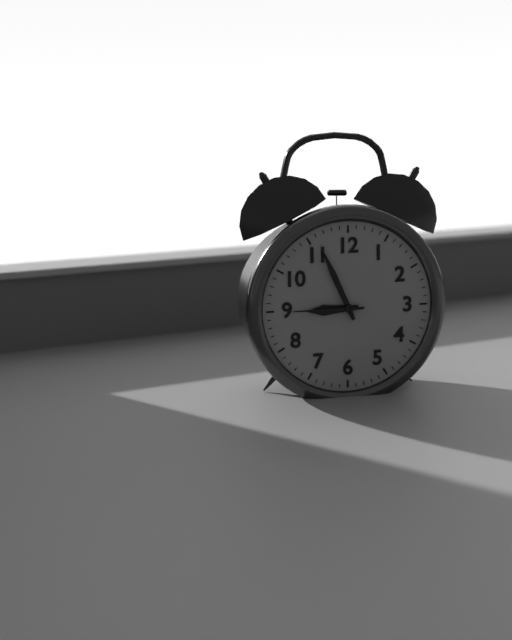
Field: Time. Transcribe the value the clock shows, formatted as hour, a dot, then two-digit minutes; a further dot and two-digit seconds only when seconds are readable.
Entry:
8.56.45
